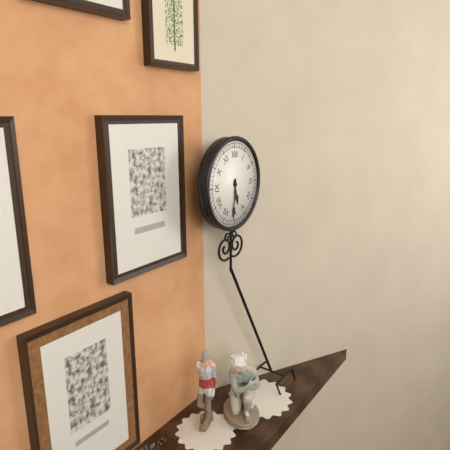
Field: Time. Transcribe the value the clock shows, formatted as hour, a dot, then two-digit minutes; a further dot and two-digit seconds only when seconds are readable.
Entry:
5.31
